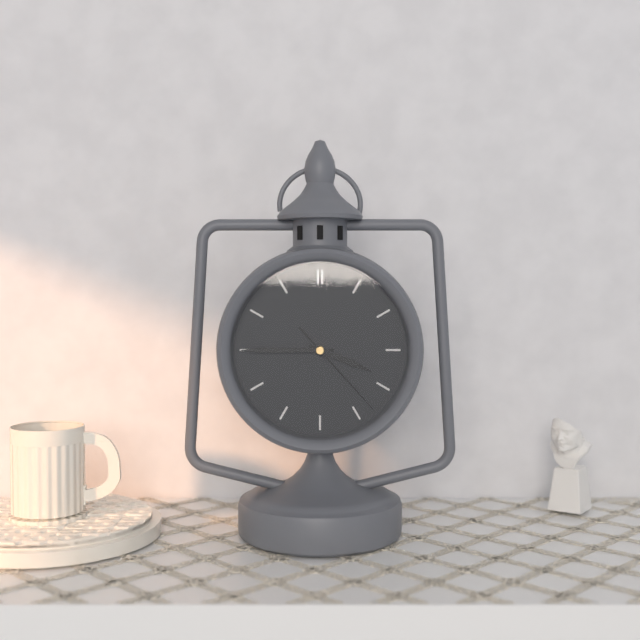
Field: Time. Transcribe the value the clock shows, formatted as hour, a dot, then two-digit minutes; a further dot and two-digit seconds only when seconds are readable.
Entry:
3.45.23
